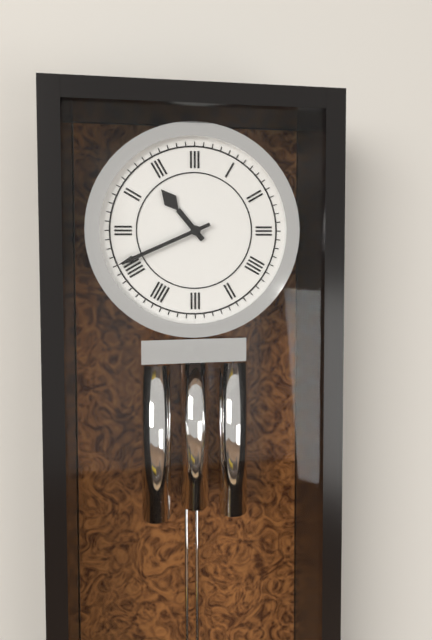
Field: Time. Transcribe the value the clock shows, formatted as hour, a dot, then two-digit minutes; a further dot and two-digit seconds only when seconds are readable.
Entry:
10.41
